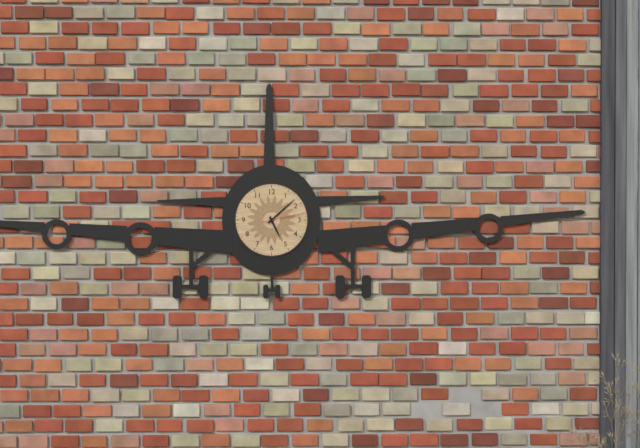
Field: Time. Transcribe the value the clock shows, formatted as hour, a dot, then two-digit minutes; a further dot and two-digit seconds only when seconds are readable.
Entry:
5.08
